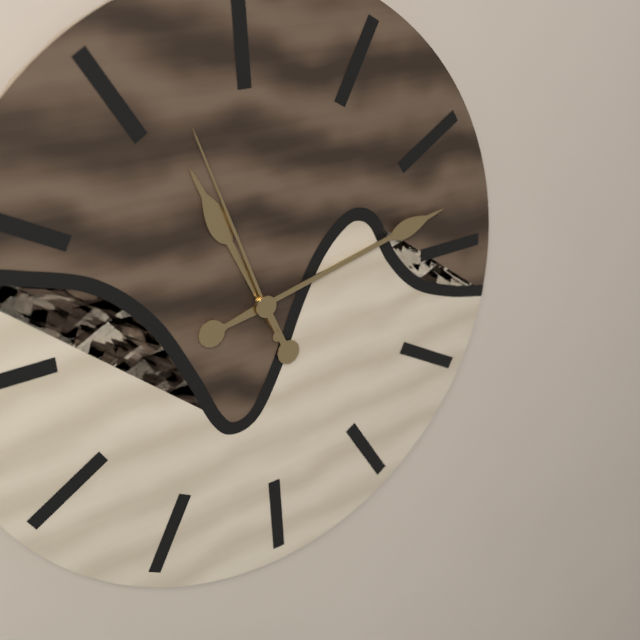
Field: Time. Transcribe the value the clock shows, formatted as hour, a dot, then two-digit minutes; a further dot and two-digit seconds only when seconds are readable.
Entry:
11.13.57
